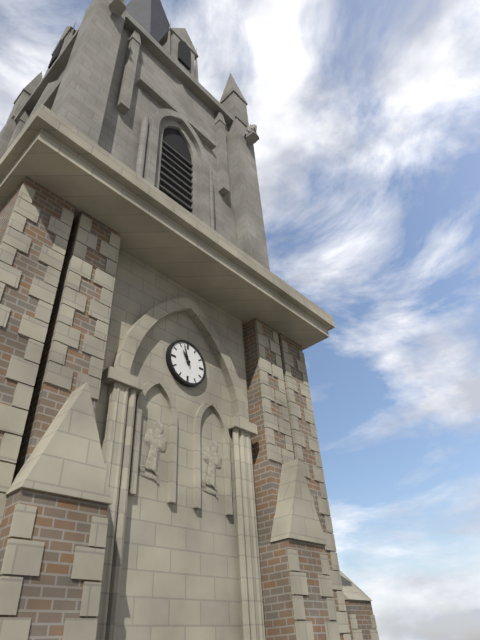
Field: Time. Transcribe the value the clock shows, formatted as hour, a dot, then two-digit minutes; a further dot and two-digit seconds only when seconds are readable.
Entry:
10.57
